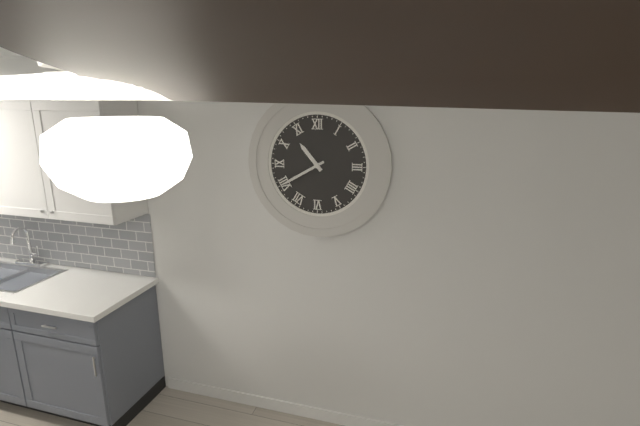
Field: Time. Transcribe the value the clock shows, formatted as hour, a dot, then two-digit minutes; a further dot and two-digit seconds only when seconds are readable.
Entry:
10.40
